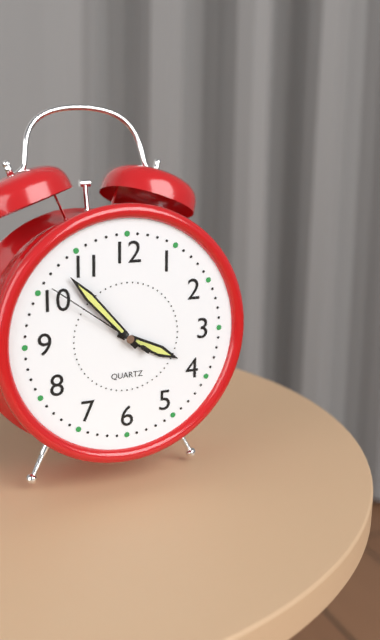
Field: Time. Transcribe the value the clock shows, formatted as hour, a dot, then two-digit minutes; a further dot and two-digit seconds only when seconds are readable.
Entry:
3.53.51
